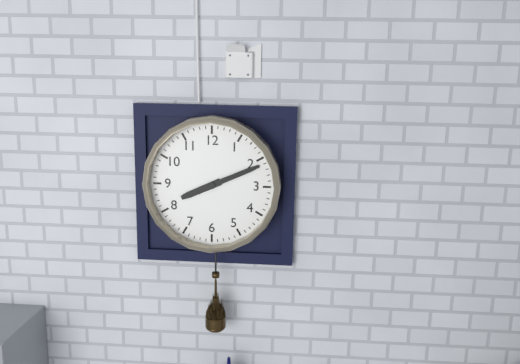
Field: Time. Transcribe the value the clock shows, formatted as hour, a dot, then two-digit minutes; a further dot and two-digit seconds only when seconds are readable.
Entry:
8.11
